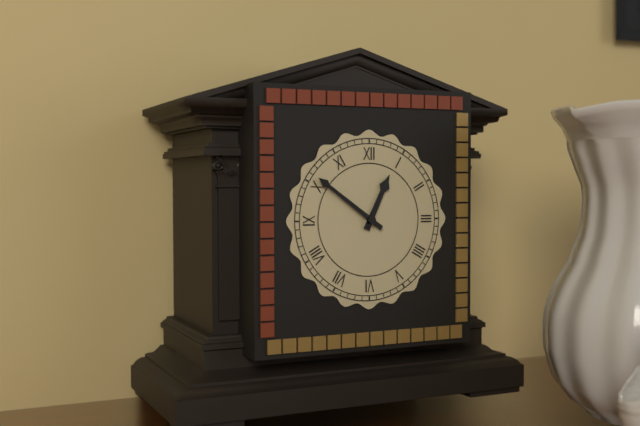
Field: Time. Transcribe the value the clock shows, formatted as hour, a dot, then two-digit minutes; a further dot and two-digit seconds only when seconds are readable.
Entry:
12.51
